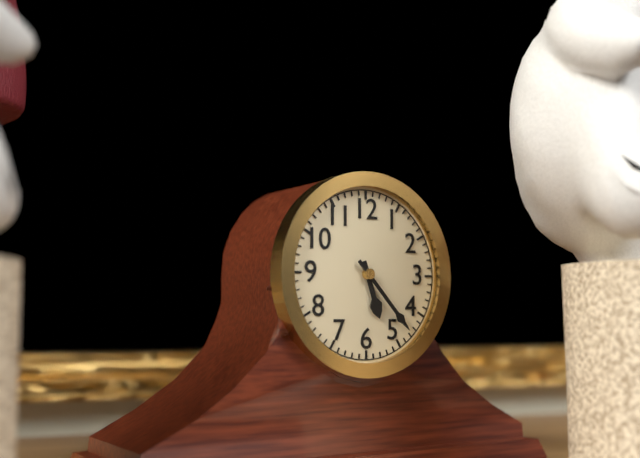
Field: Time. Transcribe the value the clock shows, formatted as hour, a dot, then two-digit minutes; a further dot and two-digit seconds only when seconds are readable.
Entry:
5.23
